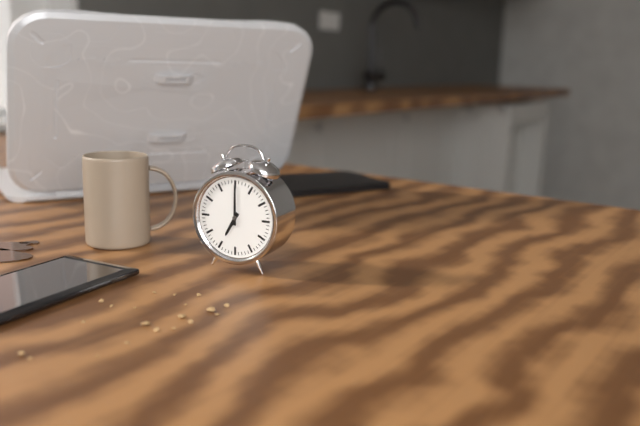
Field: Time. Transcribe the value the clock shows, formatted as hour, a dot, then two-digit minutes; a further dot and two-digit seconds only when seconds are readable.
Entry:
7.00
